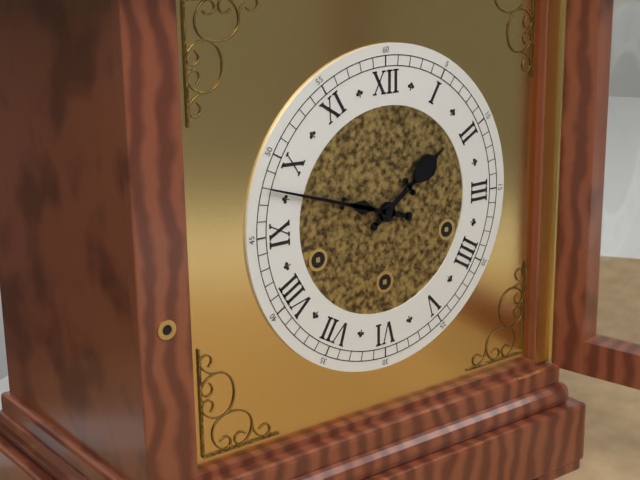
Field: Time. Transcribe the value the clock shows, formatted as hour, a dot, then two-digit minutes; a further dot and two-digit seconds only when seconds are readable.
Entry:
1.48
